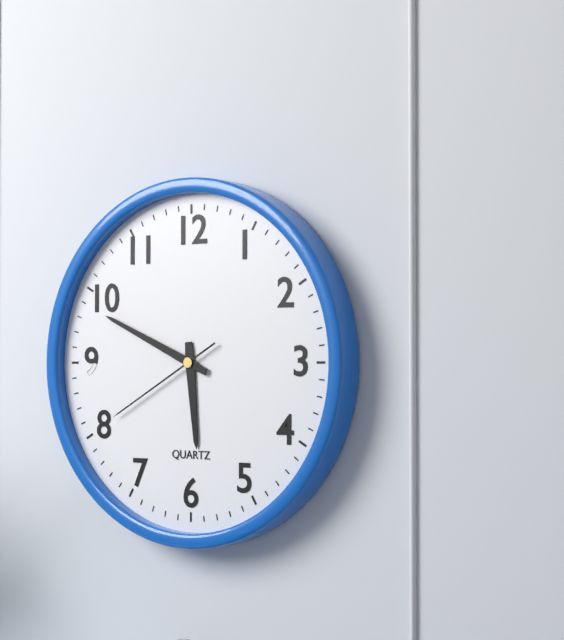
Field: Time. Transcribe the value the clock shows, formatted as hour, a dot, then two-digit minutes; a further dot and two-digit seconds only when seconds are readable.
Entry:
5.49.40
